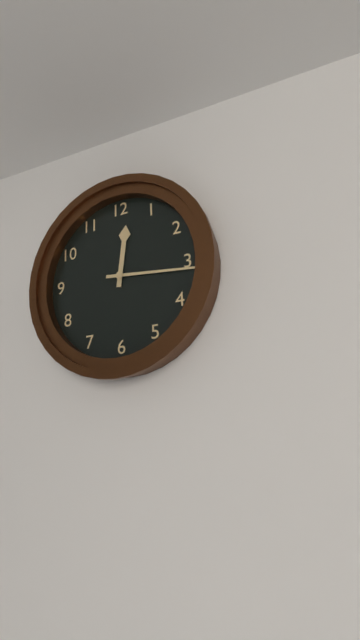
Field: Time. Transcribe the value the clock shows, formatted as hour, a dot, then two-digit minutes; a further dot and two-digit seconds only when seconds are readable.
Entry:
12.16
